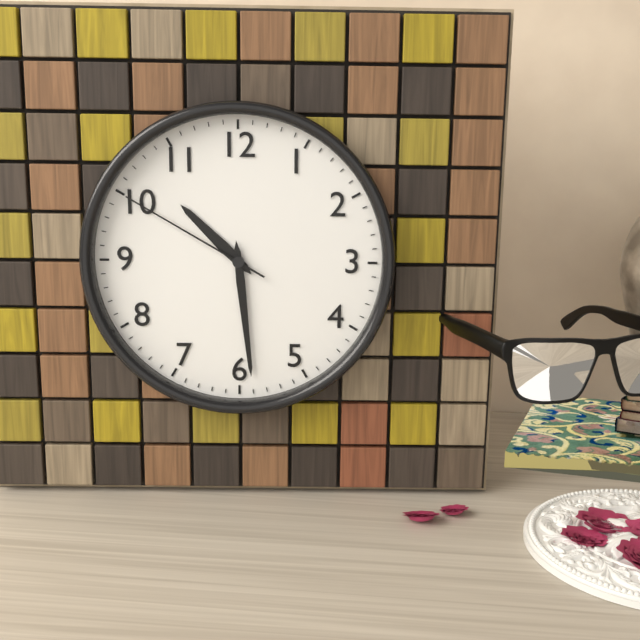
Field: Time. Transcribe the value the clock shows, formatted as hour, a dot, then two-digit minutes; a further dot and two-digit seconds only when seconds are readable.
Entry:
10.29.50
